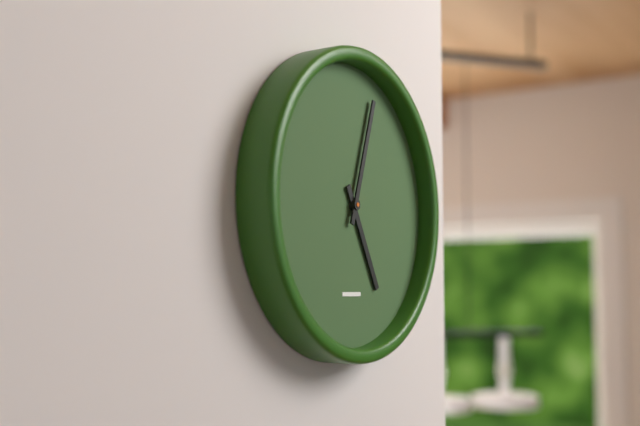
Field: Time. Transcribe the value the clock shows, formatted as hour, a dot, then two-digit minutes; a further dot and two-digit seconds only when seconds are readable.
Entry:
5.03
